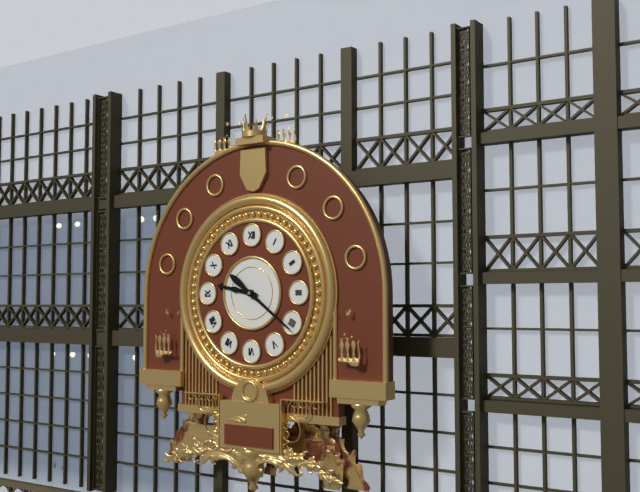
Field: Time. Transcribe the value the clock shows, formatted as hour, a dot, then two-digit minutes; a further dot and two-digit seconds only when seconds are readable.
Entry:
9.21
